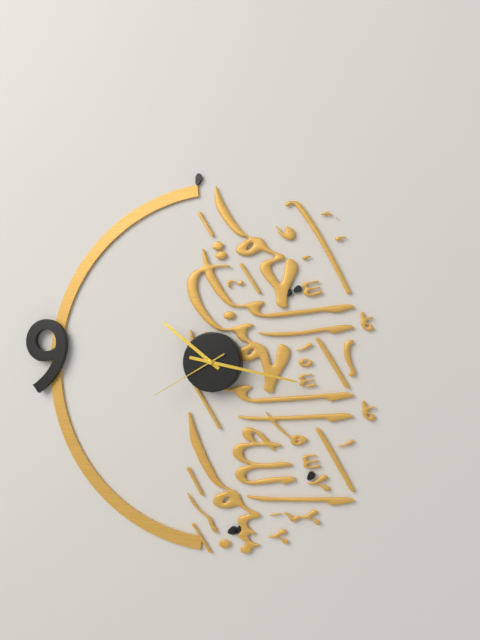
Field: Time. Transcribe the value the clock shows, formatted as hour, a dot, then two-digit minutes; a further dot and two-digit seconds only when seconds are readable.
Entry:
10.17.40
